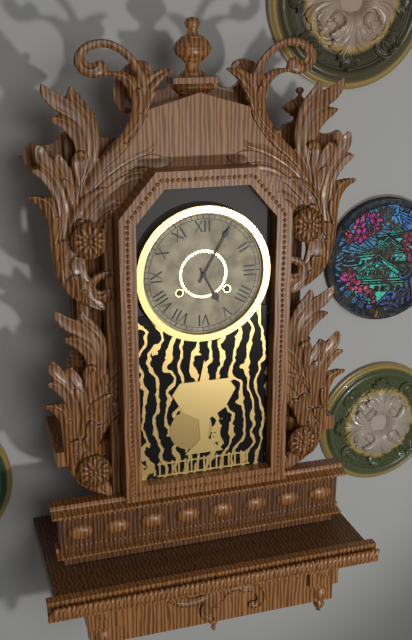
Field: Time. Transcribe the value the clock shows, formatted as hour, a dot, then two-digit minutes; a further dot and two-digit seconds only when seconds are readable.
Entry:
5.05
